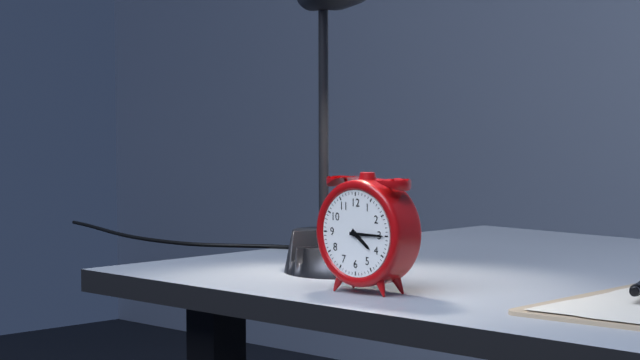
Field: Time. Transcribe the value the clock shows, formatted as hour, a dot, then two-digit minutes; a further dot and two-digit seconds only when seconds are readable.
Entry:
4.15
